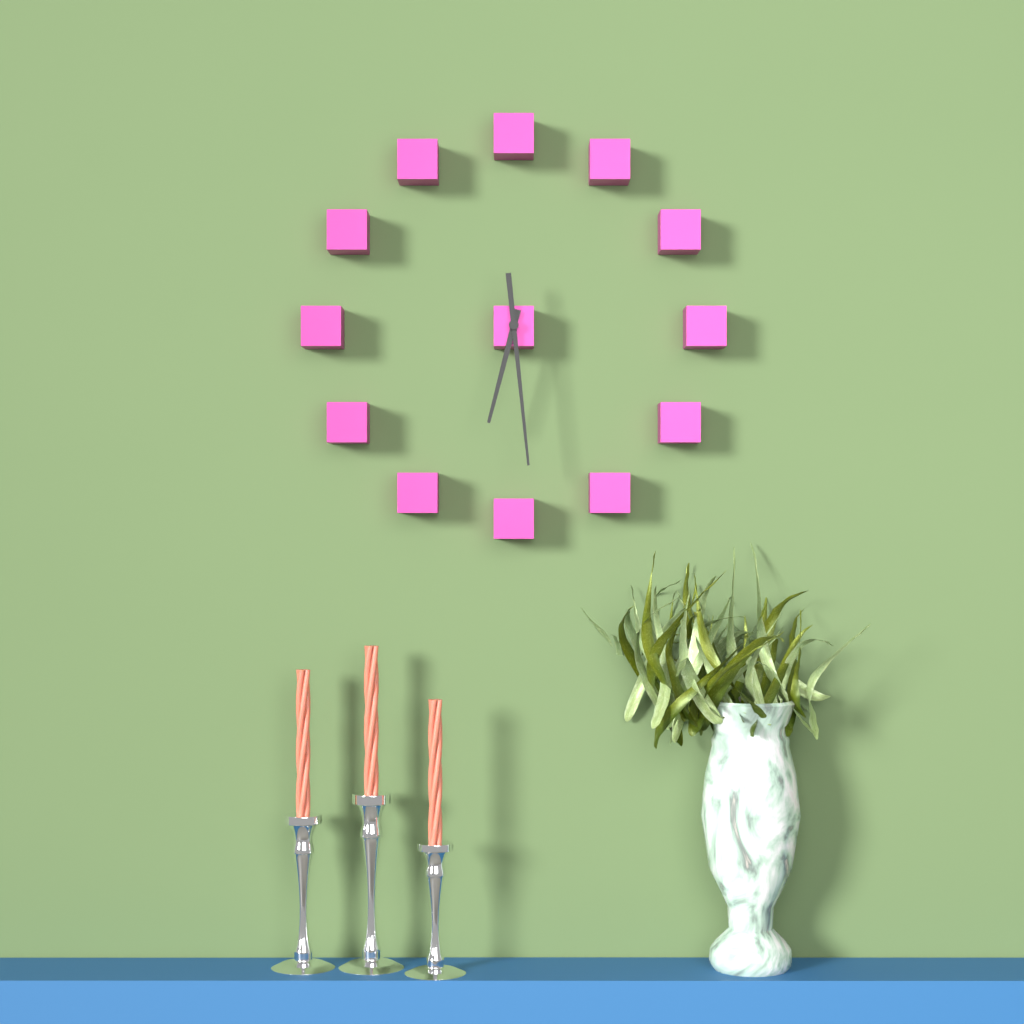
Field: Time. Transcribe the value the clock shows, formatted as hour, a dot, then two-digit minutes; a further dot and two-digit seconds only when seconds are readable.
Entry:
6.29
